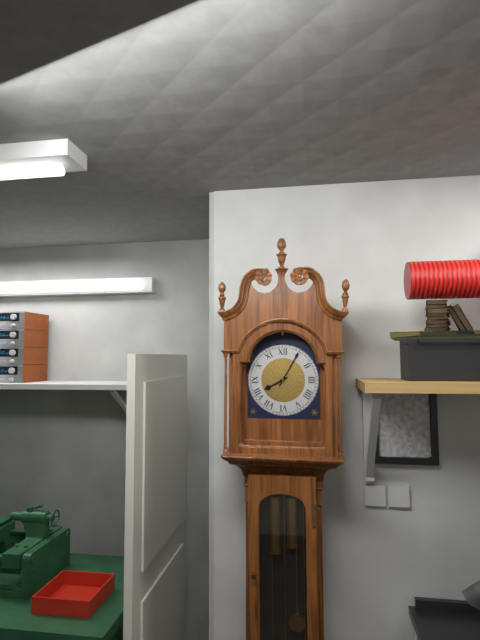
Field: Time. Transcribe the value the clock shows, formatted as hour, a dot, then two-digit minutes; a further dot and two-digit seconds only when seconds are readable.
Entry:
8.05
